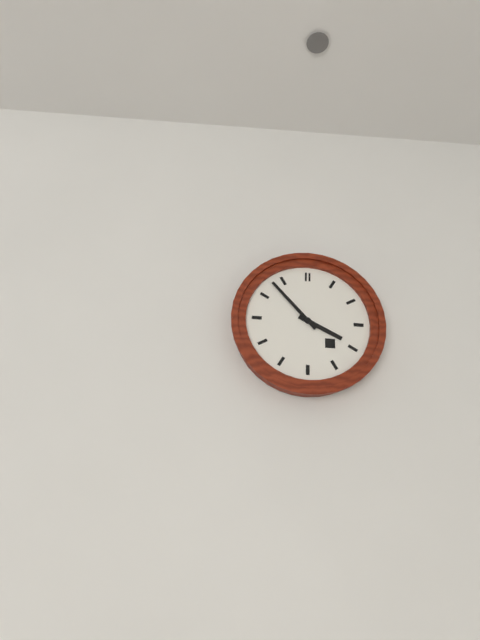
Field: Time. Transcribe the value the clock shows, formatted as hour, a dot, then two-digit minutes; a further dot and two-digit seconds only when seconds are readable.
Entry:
3.53
